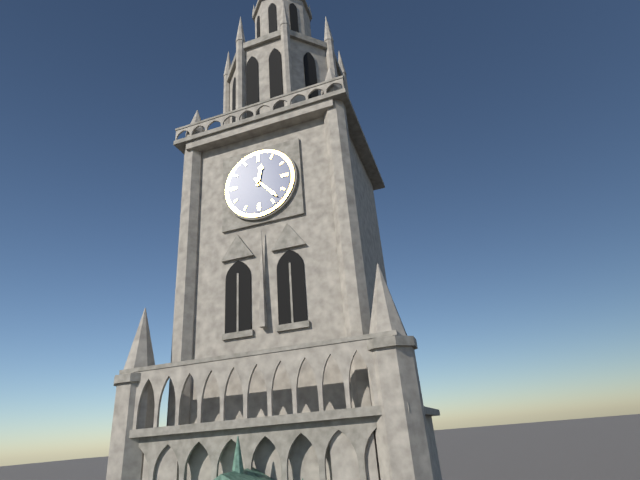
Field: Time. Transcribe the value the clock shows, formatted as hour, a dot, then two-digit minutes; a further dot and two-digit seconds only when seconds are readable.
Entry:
12.23
